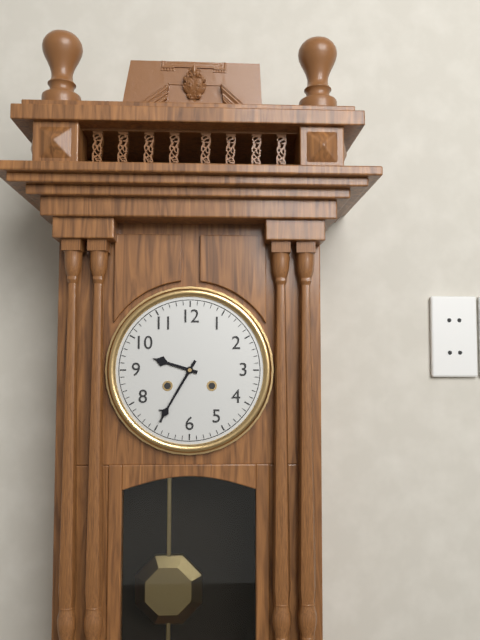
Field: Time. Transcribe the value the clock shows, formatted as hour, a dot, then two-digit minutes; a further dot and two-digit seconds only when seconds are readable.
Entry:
9.35
